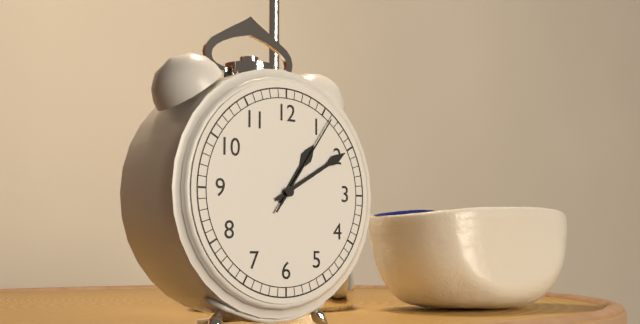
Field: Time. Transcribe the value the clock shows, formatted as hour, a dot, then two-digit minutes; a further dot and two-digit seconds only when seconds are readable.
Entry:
1.10.06
